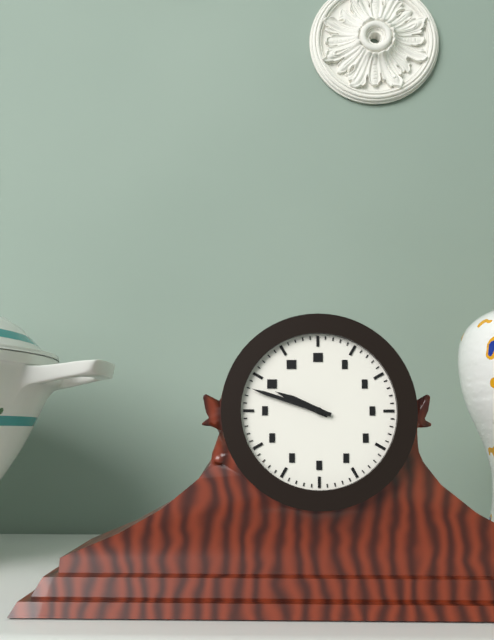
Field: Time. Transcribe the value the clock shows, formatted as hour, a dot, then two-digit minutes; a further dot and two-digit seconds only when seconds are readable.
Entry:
9.48
